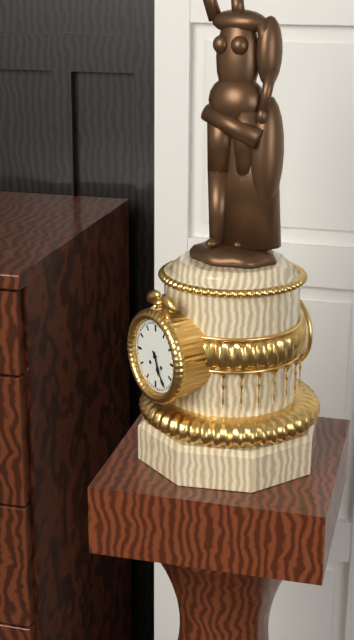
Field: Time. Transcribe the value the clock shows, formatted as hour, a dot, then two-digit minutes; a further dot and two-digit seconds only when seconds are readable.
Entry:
5.25
